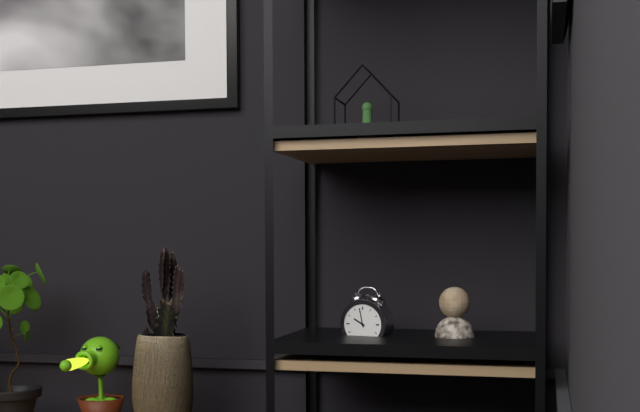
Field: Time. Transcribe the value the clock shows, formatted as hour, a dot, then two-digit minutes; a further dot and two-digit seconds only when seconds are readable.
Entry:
9.58
